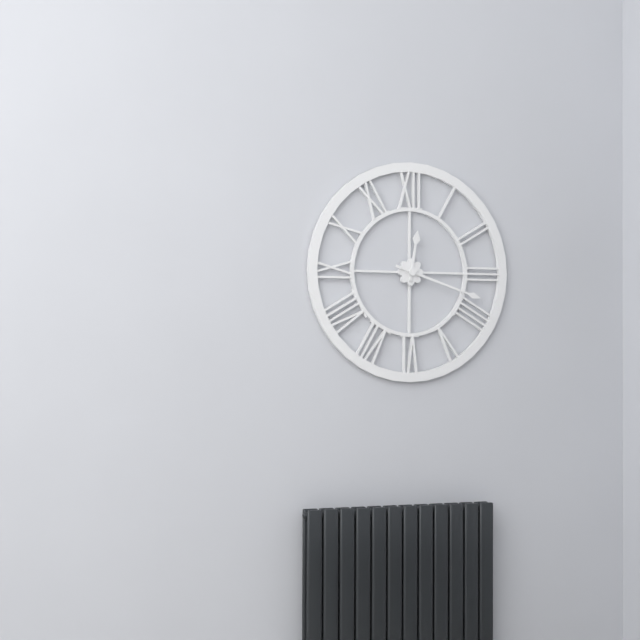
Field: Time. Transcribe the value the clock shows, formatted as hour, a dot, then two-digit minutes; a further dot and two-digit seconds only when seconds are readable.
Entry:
12.18
